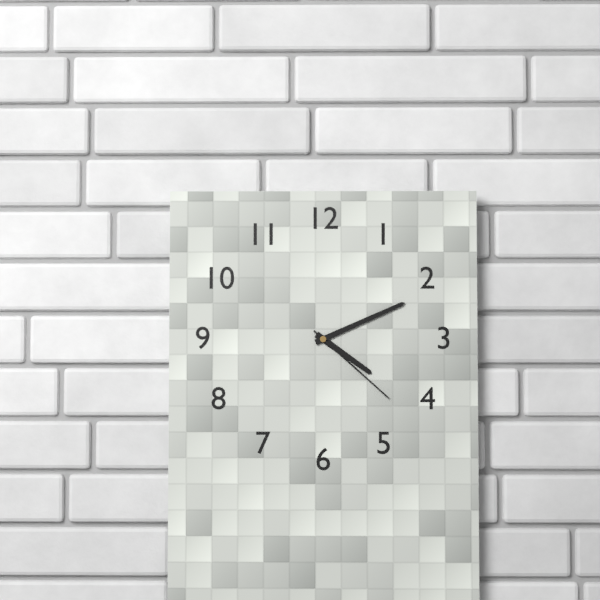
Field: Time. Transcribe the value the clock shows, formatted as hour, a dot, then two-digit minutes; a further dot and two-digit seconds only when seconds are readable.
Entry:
4.11.22
